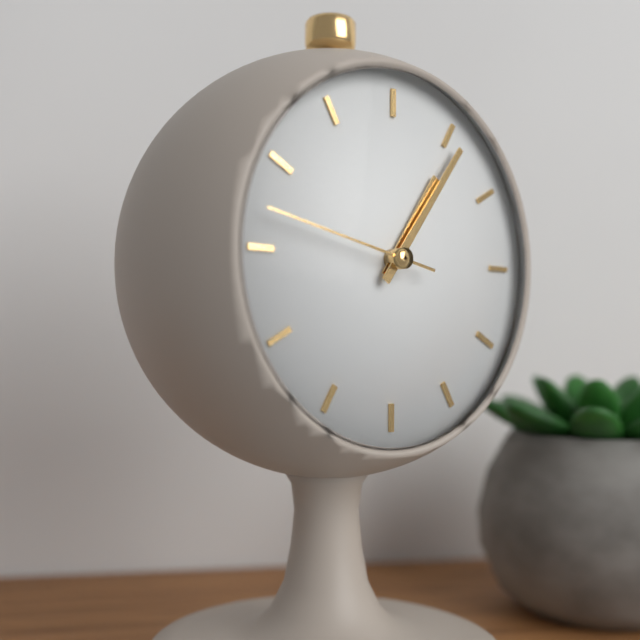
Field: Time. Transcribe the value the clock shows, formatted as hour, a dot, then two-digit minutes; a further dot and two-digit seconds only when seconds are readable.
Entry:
1.06.47
